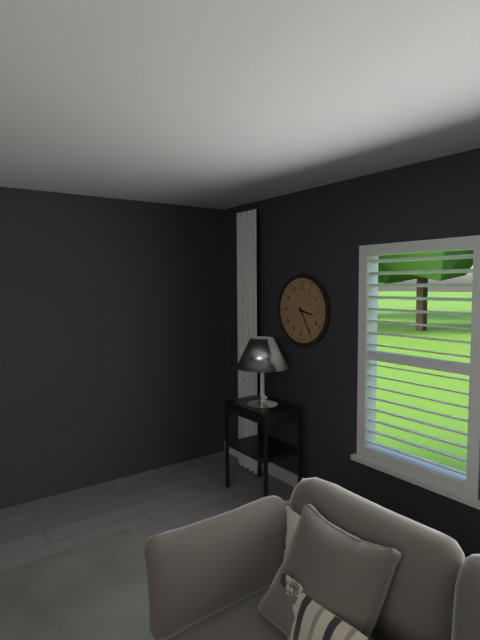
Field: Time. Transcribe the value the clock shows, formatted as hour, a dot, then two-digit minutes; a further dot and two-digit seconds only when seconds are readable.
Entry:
3.25
